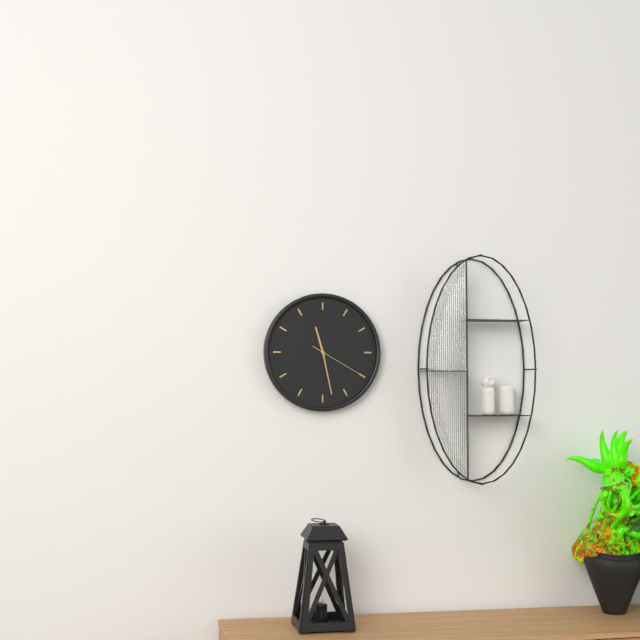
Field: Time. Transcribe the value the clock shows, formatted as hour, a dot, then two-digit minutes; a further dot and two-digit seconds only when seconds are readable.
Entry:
11.28.20
